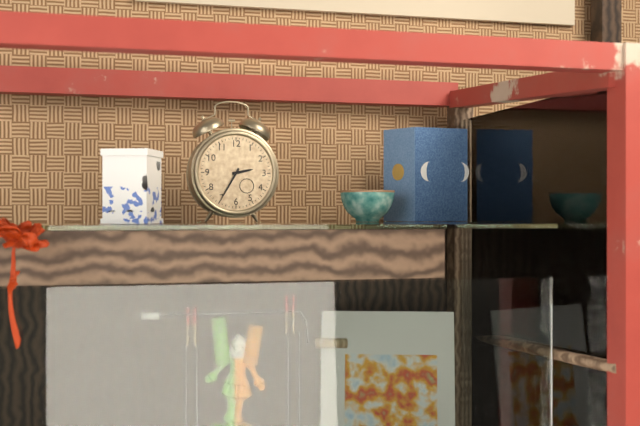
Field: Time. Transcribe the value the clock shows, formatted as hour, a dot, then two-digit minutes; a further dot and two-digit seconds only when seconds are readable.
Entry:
2.35
